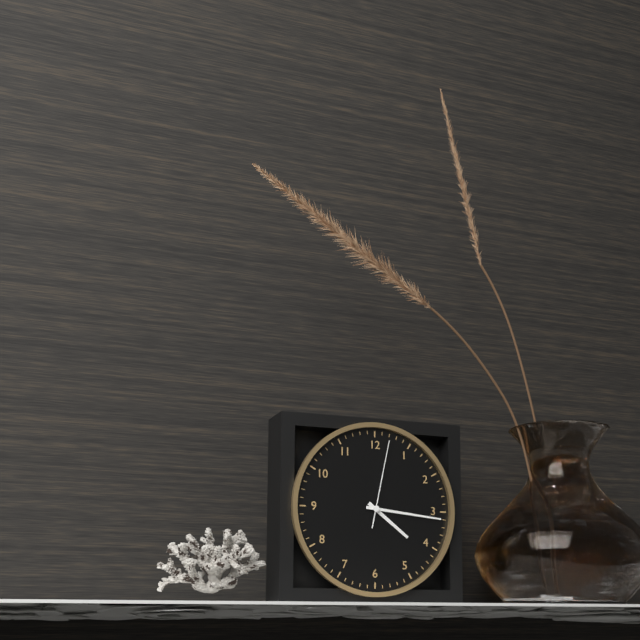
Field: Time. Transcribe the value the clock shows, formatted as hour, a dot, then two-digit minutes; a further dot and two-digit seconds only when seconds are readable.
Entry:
4.16.02
